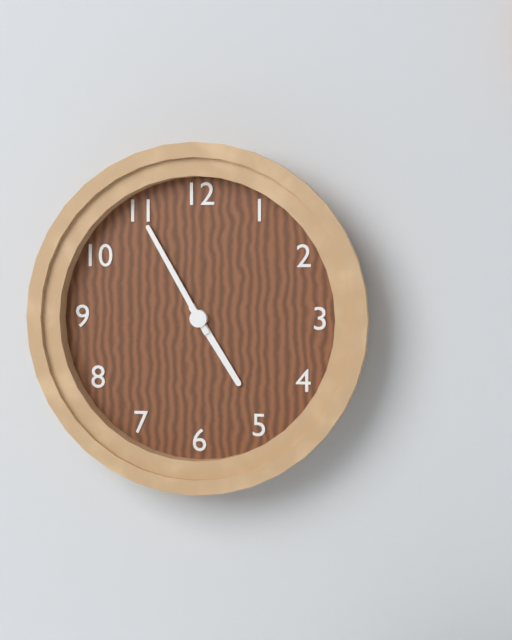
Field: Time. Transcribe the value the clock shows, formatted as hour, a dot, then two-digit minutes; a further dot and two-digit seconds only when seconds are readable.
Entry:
4.55
